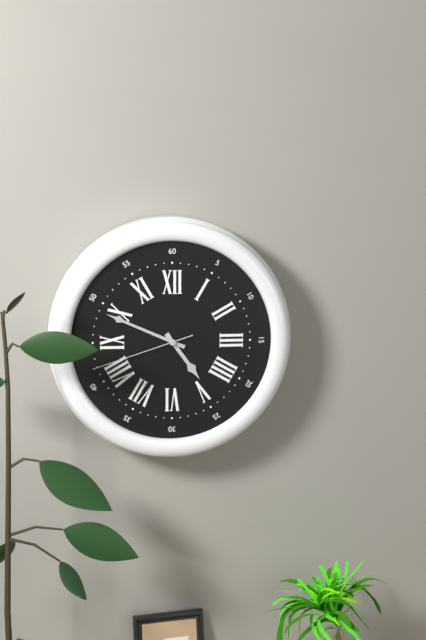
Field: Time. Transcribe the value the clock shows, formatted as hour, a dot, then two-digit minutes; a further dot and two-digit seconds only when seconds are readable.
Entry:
4.49.42
